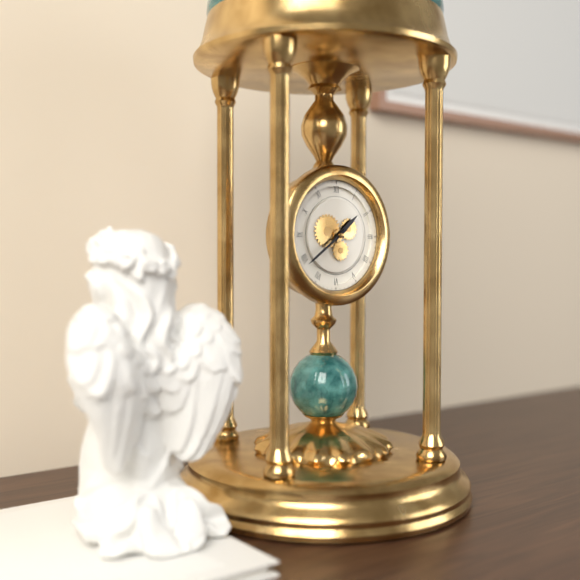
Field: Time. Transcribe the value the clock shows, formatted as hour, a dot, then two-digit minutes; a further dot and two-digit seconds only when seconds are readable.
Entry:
1.39
